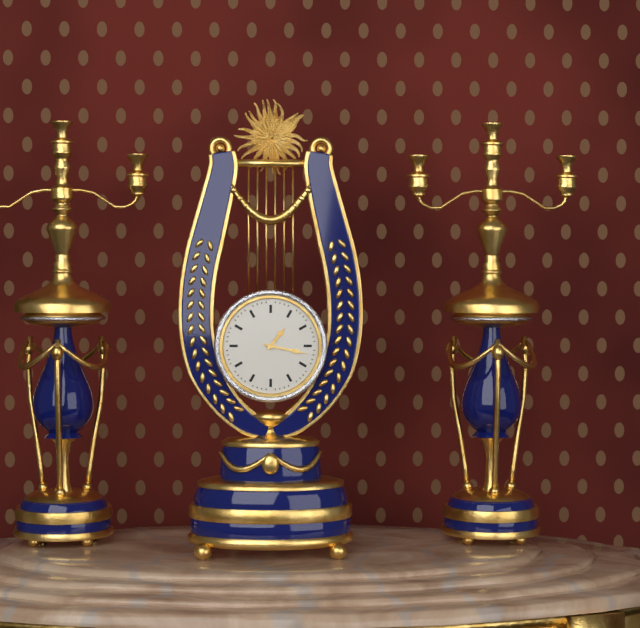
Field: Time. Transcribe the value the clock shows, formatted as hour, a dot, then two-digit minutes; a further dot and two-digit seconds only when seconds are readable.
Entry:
1.17
